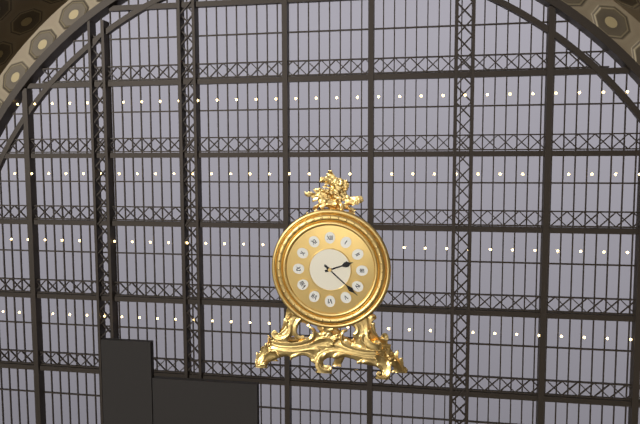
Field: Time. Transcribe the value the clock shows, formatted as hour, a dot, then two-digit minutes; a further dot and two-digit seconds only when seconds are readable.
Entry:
2.22
